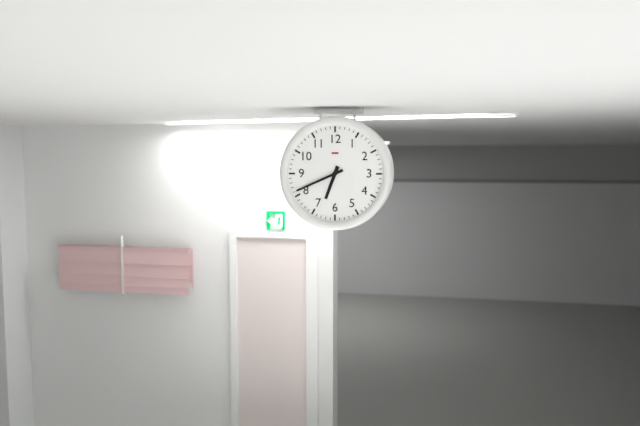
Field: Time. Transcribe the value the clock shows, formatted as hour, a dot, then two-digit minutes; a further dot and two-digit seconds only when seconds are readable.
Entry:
6.41
